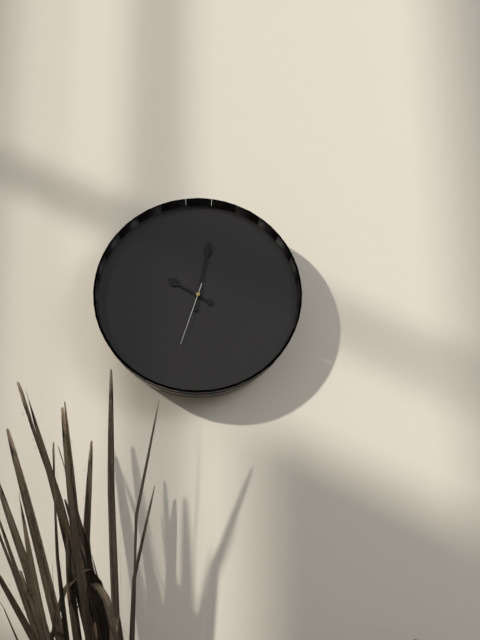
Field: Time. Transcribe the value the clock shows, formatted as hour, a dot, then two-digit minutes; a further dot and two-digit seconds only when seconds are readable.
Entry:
10.02.33
